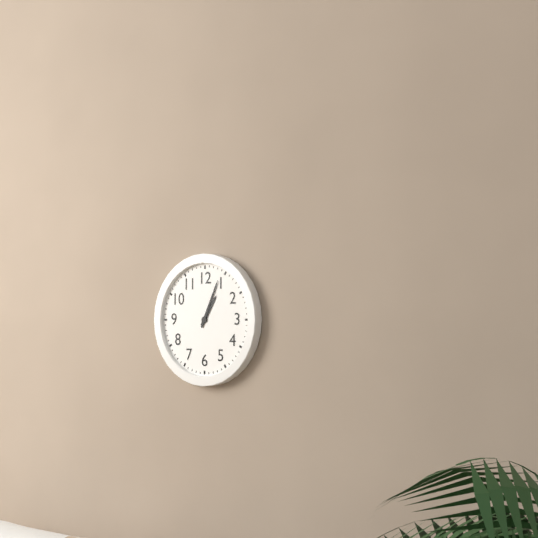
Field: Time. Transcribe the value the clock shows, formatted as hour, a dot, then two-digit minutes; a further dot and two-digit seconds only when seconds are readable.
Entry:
1.04
